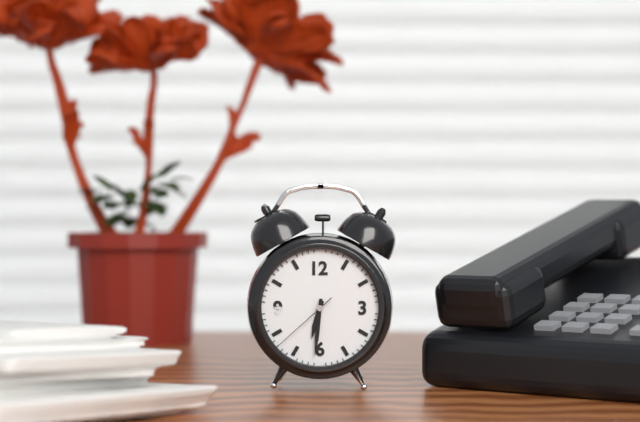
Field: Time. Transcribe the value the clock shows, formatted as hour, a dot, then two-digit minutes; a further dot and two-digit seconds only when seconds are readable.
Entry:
6.31.38
